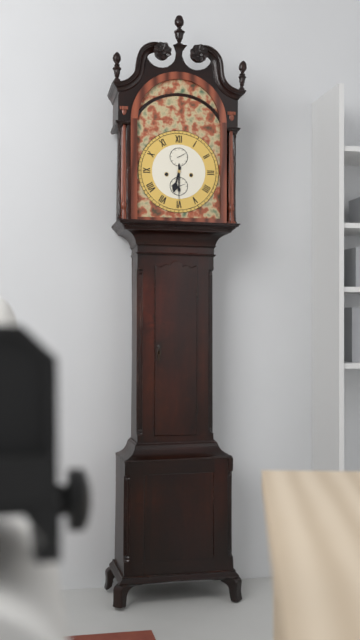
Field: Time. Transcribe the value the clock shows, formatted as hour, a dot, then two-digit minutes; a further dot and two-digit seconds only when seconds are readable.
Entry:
6.30
